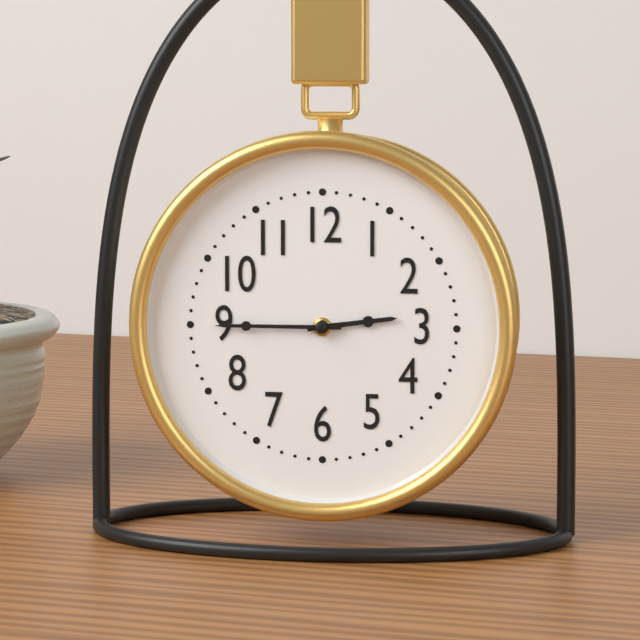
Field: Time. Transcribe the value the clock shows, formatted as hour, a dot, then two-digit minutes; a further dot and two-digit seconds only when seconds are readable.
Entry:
2.45
